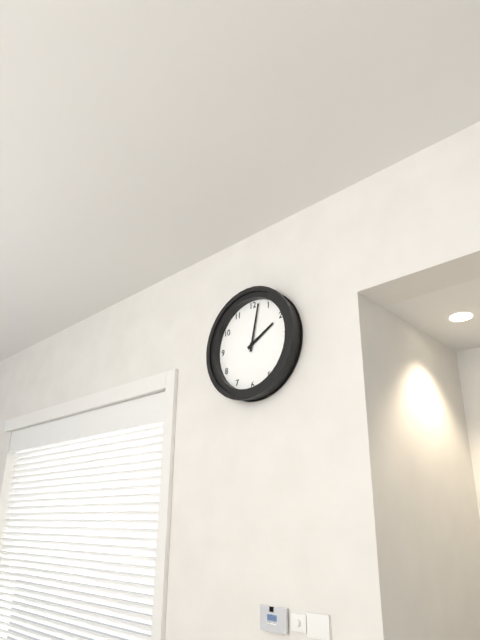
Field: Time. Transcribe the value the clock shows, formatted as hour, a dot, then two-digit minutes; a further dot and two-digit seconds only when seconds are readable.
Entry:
2.02
